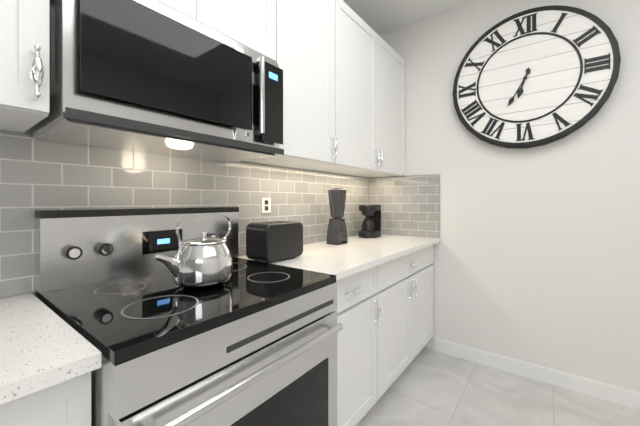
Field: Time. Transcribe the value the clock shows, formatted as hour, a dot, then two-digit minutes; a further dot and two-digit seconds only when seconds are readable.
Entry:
6.35
